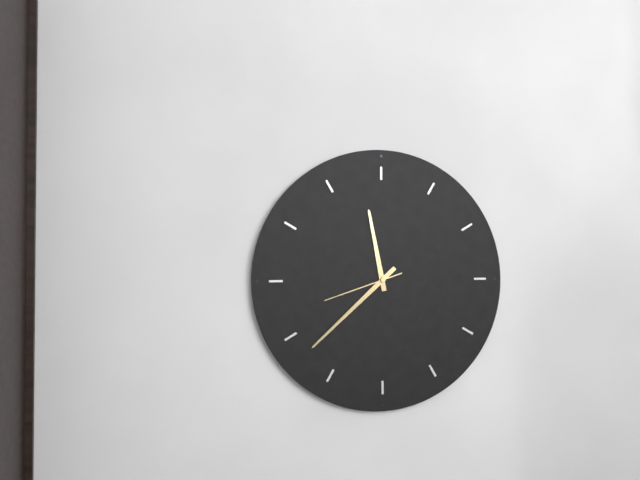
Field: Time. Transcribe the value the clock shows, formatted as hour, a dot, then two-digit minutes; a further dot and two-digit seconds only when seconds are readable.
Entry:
11.38.42
